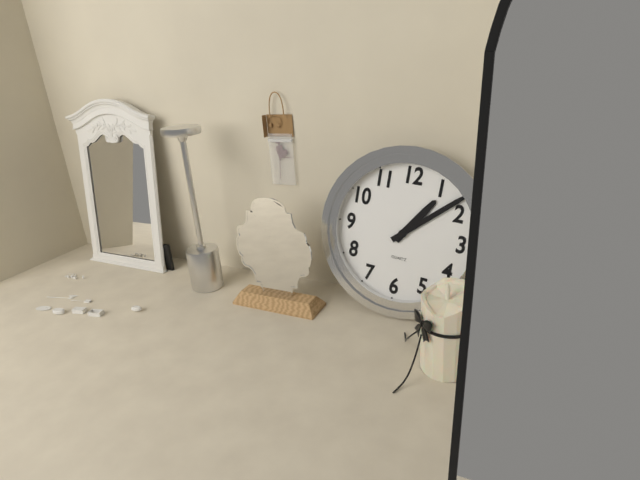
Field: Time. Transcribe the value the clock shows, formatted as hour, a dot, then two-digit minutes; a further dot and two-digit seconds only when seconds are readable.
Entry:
1.08
